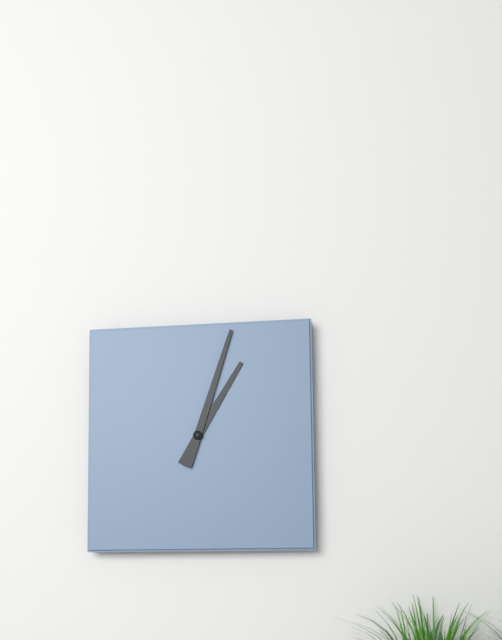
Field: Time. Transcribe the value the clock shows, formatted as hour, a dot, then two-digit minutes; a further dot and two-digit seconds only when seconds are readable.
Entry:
1.03
